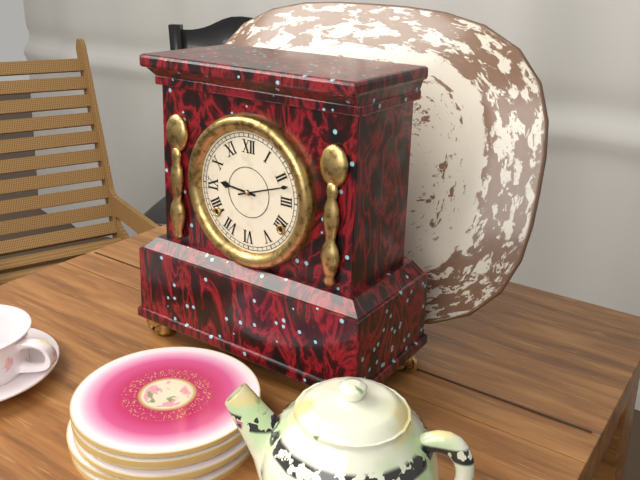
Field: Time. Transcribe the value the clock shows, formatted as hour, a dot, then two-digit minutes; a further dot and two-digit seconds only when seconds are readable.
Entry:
9.12
